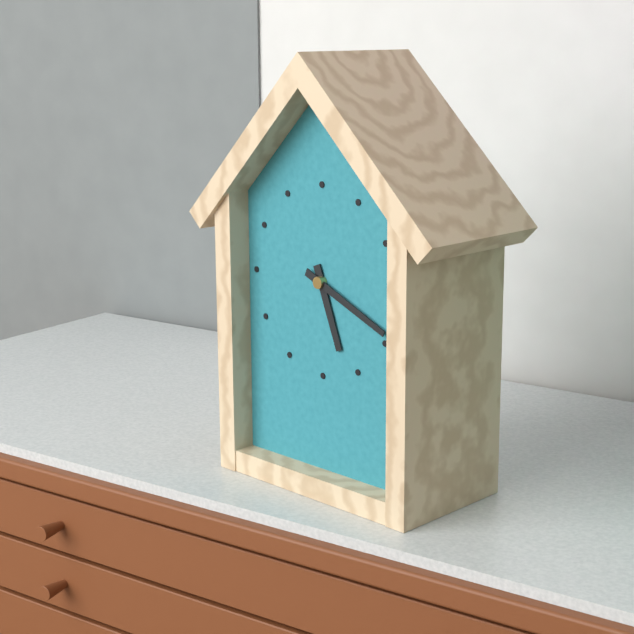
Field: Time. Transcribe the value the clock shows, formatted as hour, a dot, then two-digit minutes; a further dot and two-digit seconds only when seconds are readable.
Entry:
5.19
